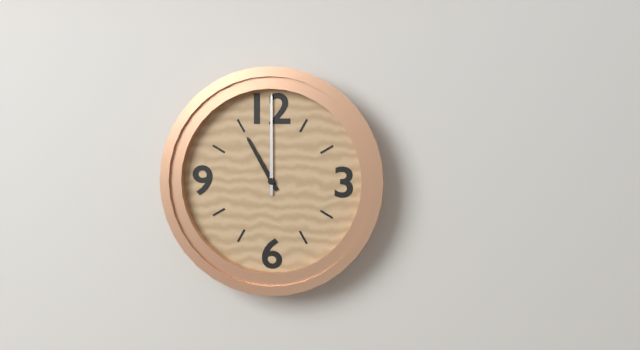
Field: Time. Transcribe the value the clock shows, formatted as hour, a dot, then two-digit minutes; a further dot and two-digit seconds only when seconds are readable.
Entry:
11.00
